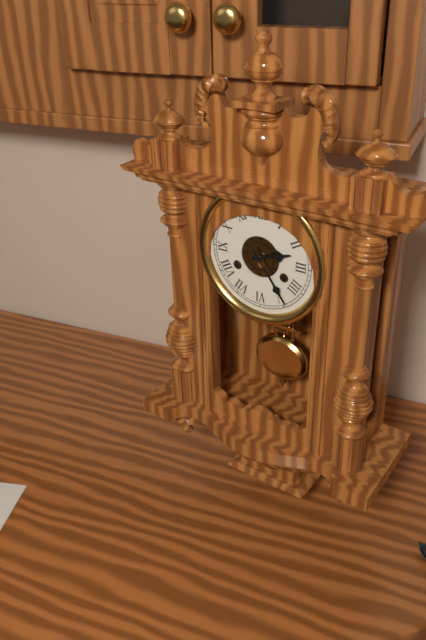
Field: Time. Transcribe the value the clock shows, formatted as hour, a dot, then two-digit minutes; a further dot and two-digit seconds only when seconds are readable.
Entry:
2.24
